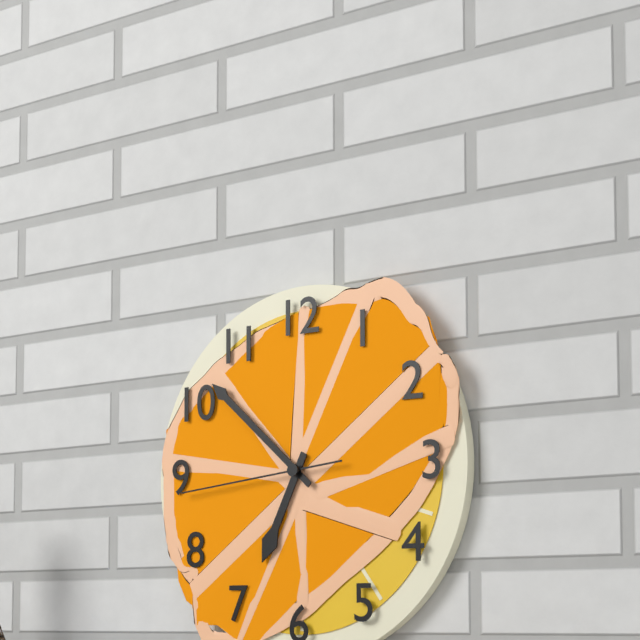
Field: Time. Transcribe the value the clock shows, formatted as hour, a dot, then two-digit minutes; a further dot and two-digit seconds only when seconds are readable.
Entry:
6.52.44
